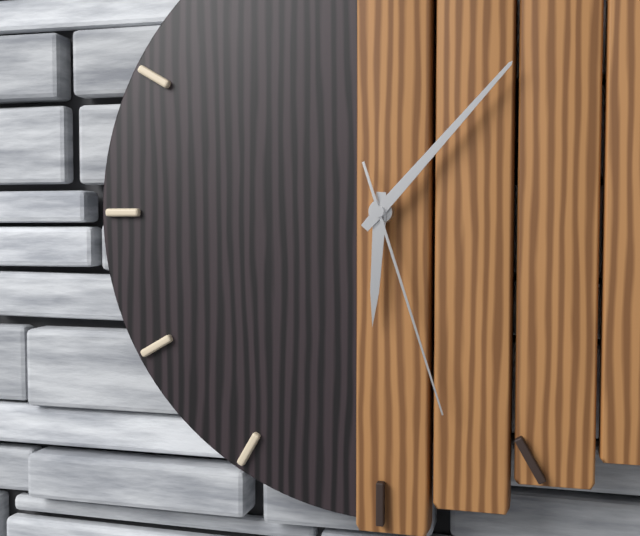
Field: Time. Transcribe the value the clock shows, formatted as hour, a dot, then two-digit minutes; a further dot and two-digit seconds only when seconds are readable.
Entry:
6.07.27
